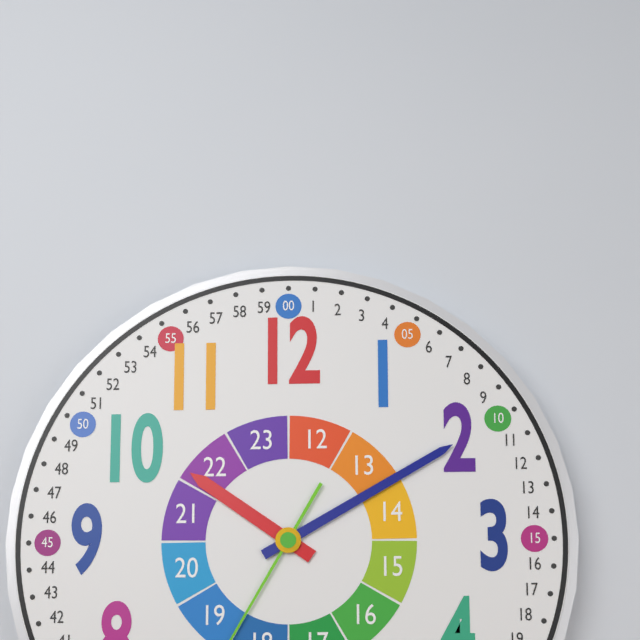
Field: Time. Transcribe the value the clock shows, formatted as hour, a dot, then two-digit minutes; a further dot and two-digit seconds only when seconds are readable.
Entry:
10.10
